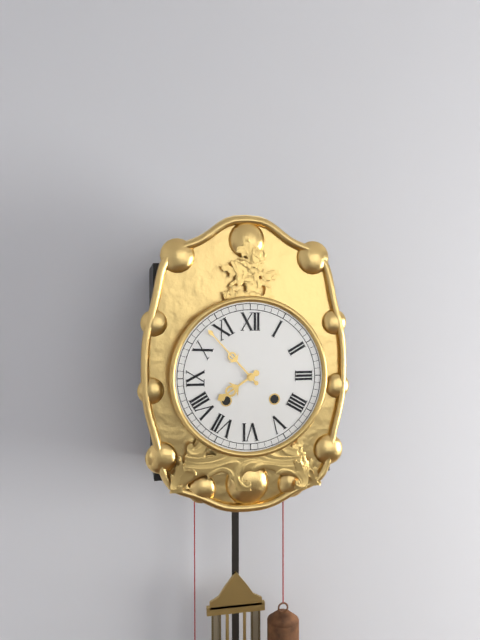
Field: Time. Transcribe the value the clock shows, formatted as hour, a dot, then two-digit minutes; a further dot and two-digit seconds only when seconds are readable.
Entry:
7.53
